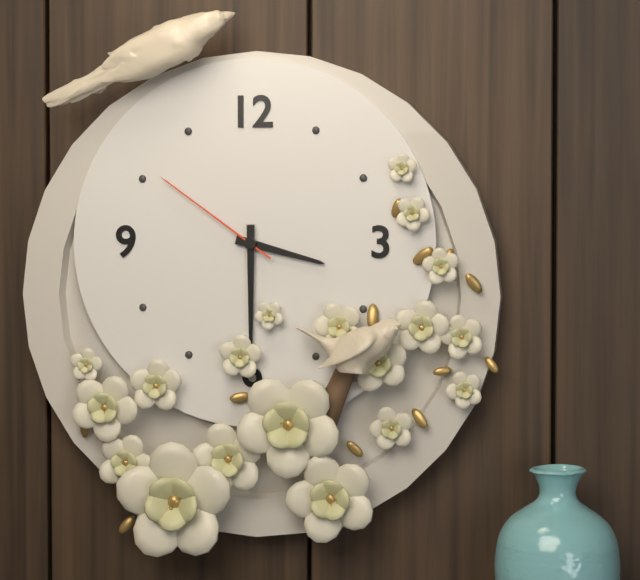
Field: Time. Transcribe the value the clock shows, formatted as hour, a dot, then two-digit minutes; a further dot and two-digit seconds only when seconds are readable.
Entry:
3.30.51
